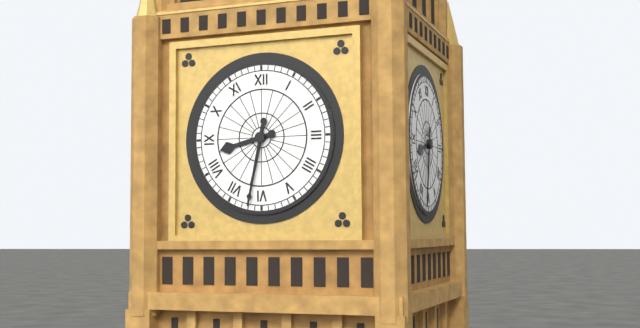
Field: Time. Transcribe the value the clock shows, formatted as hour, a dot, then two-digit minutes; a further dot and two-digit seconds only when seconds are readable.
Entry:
8.32
